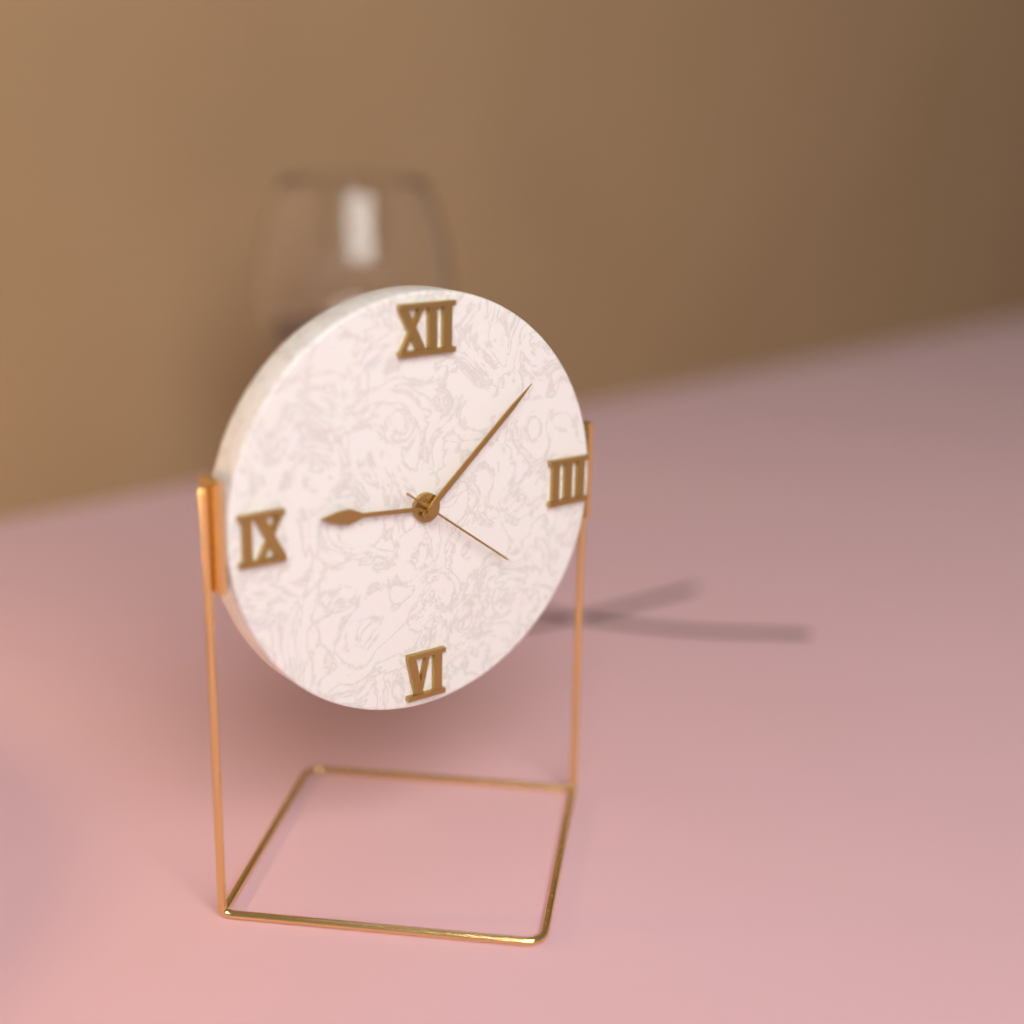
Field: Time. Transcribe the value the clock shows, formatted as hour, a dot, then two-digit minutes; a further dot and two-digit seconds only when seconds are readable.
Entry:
9.08.21
